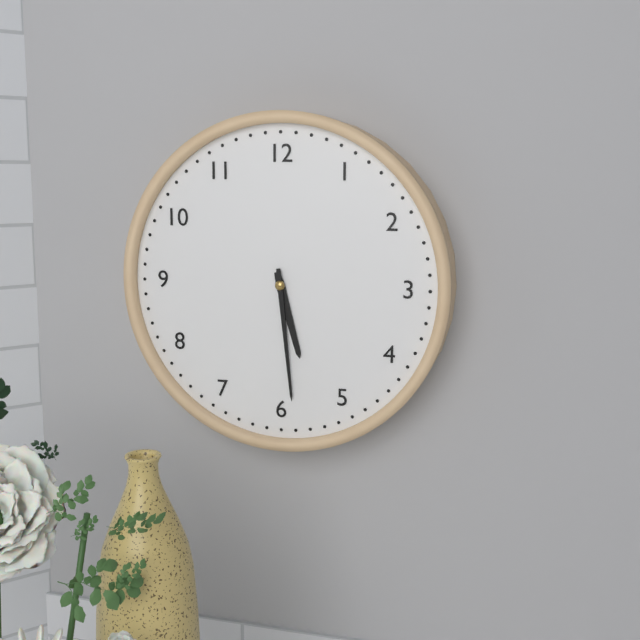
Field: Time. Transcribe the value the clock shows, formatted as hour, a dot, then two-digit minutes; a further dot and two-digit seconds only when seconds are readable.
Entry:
5.29
